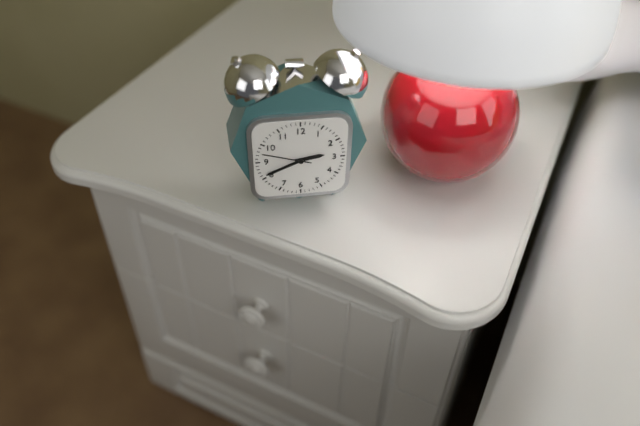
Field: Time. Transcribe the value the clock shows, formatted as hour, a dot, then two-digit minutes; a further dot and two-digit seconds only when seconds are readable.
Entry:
2.41
